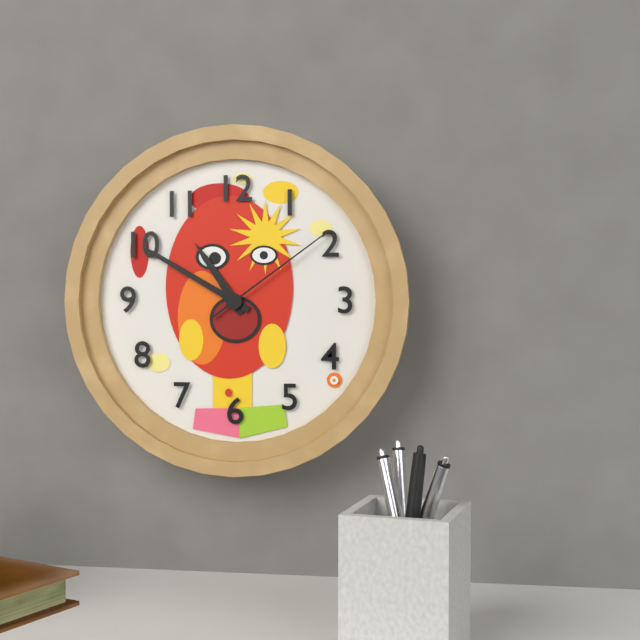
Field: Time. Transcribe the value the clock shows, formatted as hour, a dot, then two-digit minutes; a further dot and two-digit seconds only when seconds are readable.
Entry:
10.50.09
